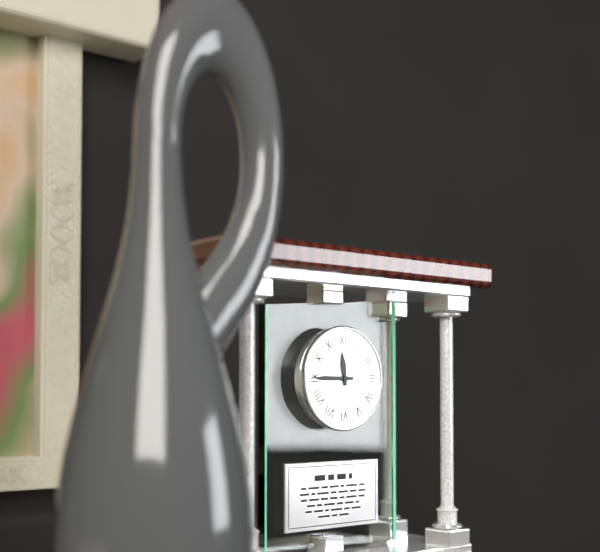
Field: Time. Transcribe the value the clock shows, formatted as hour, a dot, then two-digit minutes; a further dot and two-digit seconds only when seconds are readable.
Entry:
11.45
